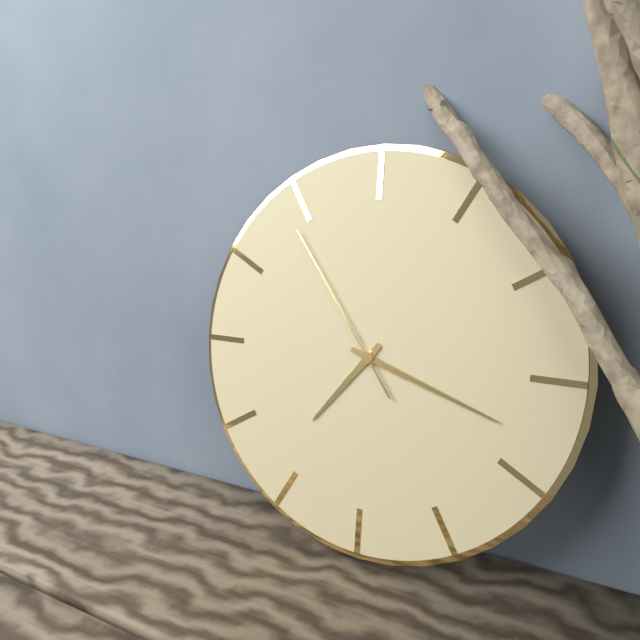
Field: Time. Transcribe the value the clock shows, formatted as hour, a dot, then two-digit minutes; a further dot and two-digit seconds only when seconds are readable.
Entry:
7.18.54
